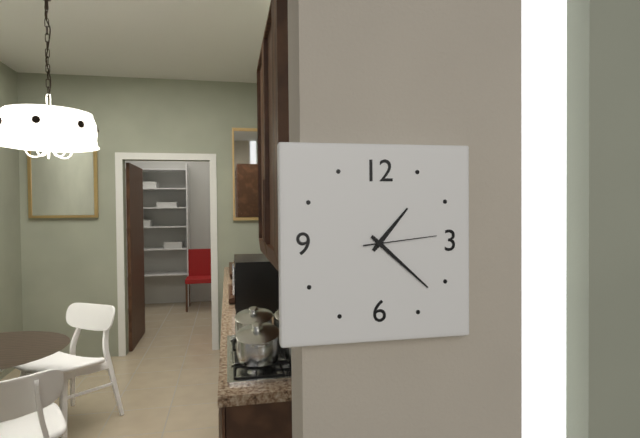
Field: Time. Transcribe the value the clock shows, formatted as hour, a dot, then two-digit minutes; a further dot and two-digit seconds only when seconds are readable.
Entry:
1.22.14
